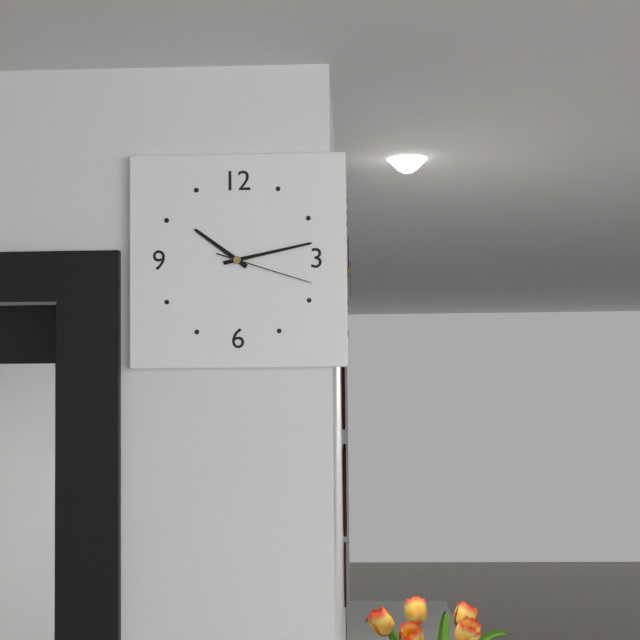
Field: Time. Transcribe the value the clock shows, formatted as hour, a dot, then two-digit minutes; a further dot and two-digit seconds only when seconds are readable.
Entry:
10.13.18
